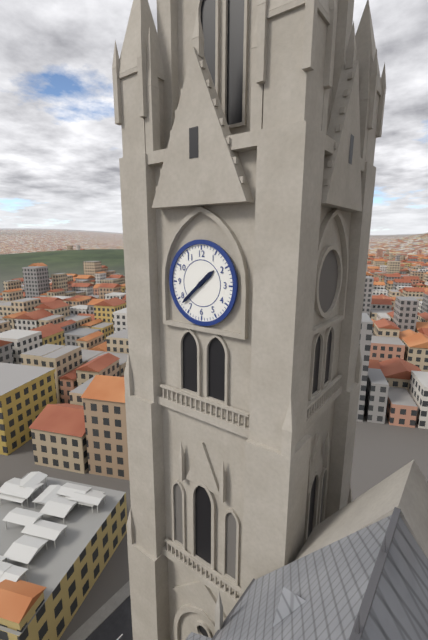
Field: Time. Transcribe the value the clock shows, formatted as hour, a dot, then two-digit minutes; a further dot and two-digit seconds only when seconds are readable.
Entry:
1.38
